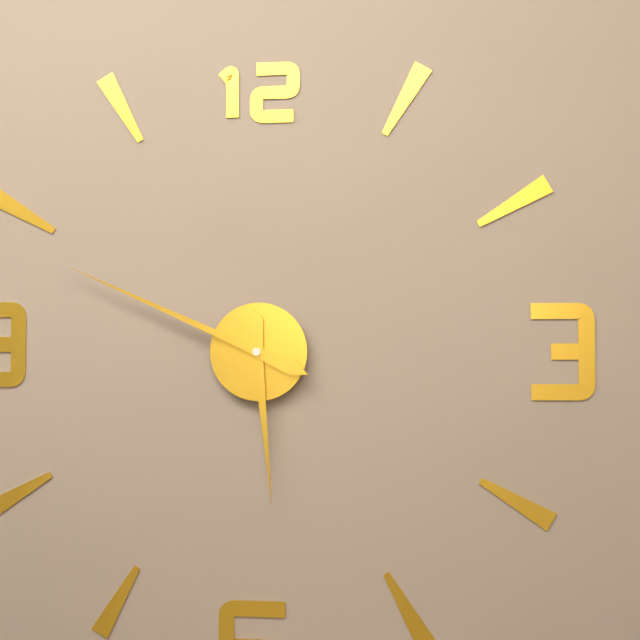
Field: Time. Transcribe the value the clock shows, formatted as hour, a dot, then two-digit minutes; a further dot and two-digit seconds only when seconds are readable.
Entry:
5.49
